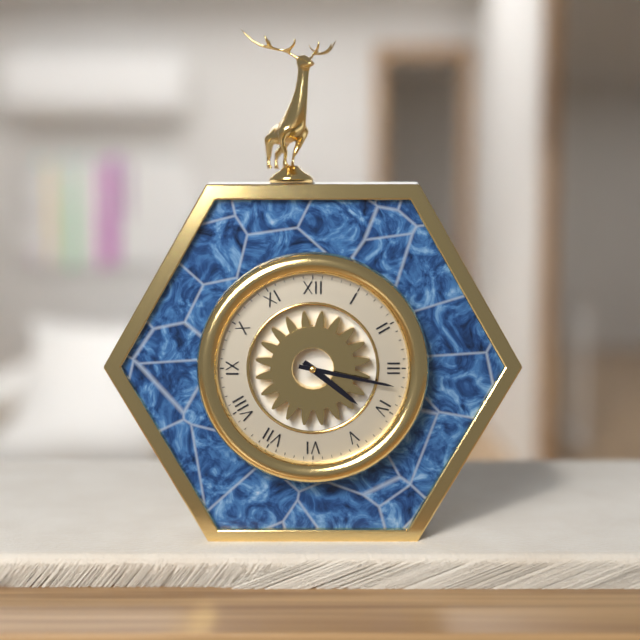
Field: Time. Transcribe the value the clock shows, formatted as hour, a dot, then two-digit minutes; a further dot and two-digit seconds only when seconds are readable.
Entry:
4.17
